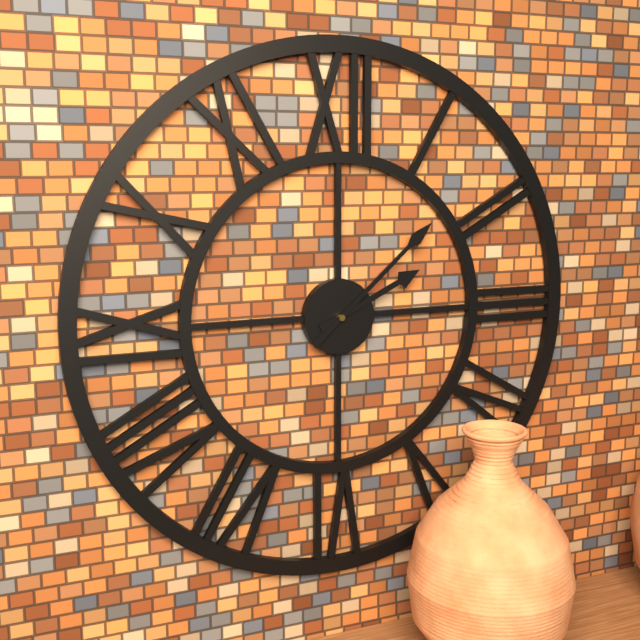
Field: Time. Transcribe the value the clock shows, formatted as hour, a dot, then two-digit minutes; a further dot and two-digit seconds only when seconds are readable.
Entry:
2.08
